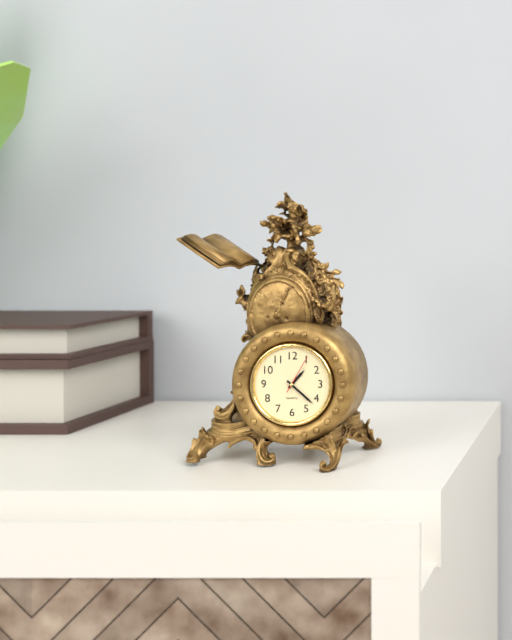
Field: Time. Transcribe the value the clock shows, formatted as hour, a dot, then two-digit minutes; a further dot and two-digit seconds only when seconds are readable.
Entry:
1.22
